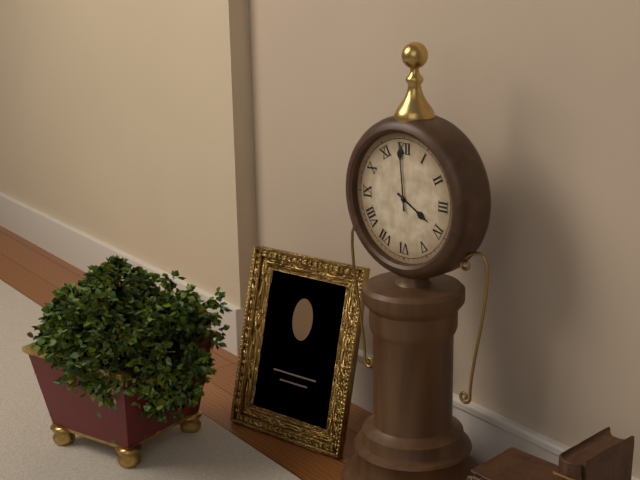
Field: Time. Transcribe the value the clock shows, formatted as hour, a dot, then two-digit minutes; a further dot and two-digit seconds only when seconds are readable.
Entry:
3.59
